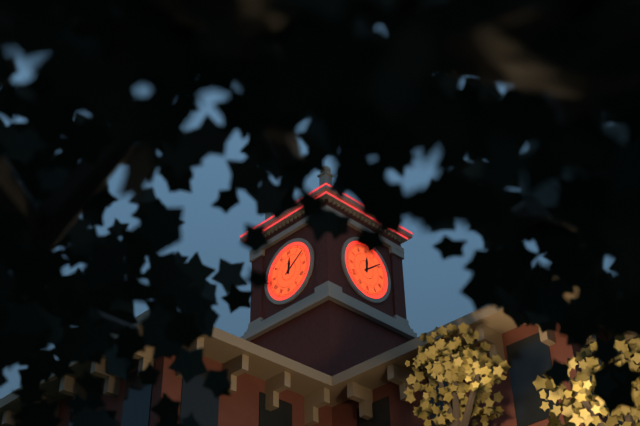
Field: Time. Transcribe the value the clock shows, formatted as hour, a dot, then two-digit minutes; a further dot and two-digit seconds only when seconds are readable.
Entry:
12.09
